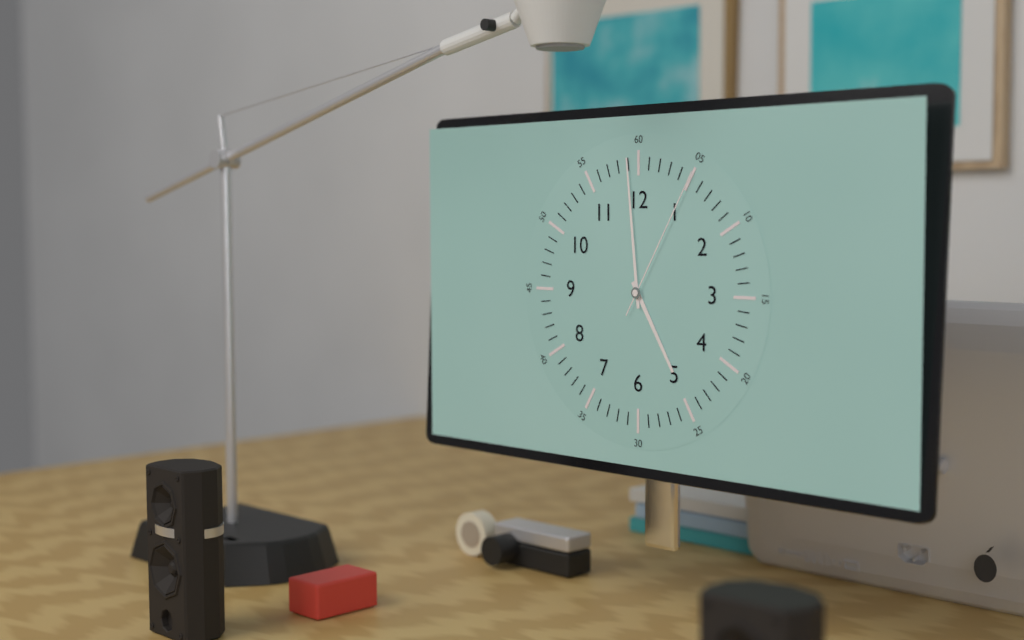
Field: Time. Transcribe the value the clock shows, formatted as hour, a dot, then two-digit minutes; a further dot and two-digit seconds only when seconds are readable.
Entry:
4.59.05
